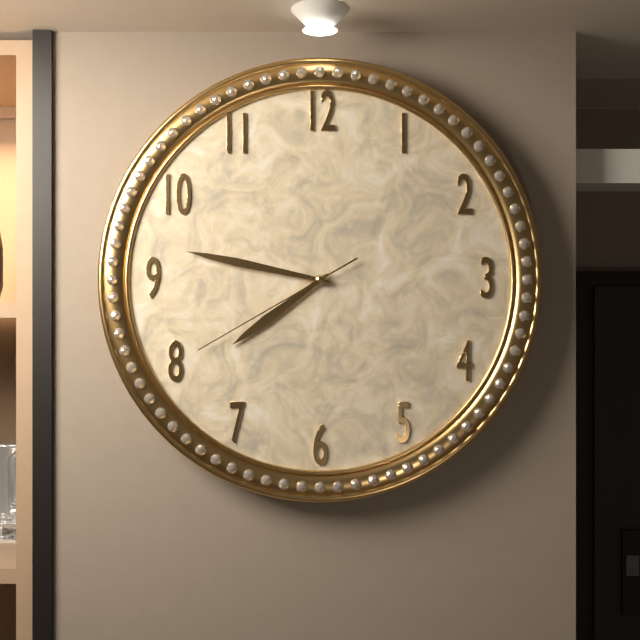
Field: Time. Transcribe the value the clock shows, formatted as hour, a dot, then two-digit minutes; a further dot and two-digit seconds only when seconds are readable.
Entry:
7.47.40
